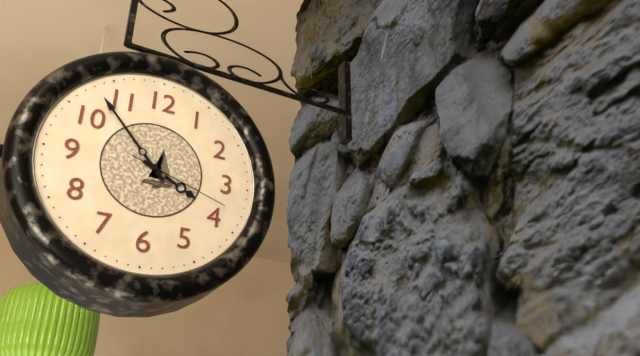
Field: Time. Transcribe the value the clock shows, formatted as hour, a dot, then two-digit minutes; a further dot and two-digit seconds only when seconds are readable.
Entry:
3.53.18
